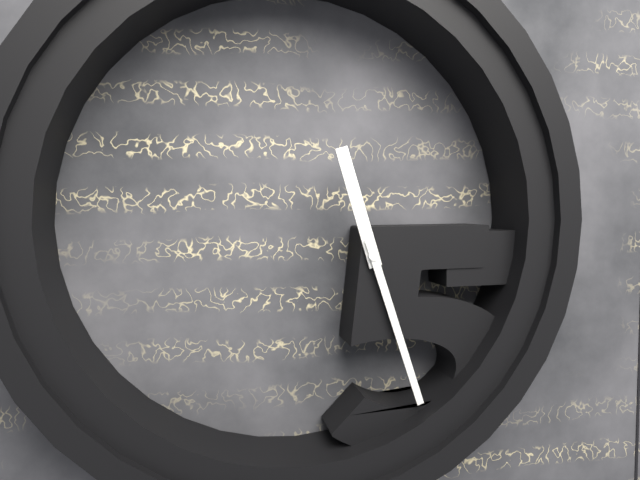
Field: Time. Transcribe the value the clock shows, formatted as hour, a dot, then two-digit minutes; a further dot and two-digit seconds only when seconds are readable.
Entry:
11.27
